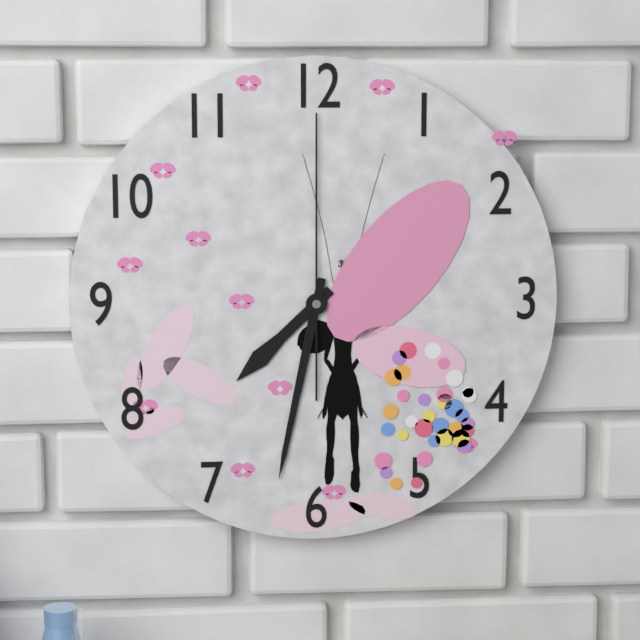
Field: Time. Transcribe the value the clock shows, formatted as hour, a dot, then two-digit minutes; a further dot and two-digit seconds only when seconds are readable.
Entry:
7.32.00
